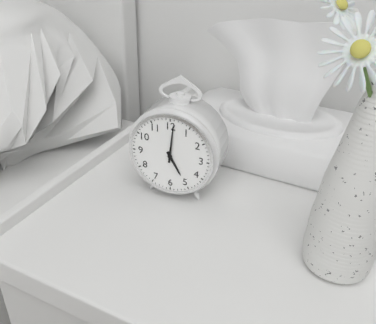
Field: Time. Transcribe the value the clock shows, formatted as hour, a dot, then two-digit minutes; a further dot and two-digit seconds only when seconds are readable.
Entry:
5.01
